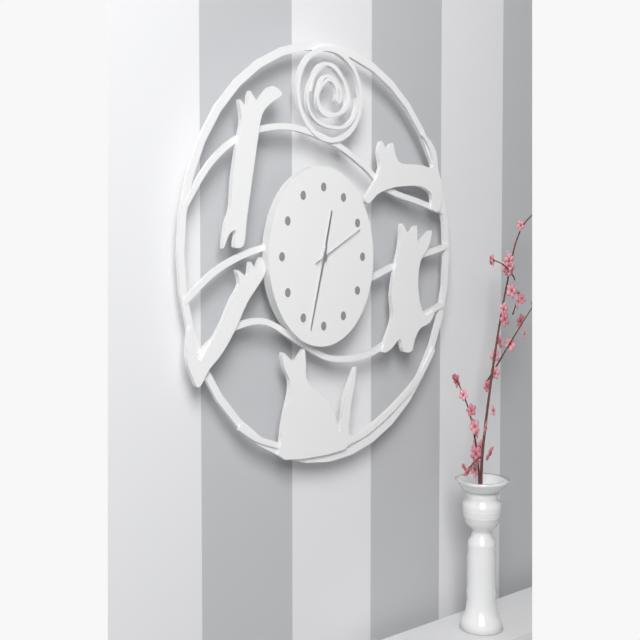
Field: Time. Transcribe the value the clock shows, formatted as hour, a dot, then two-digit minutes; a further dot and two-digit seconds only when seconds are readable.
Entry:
12.33.11
